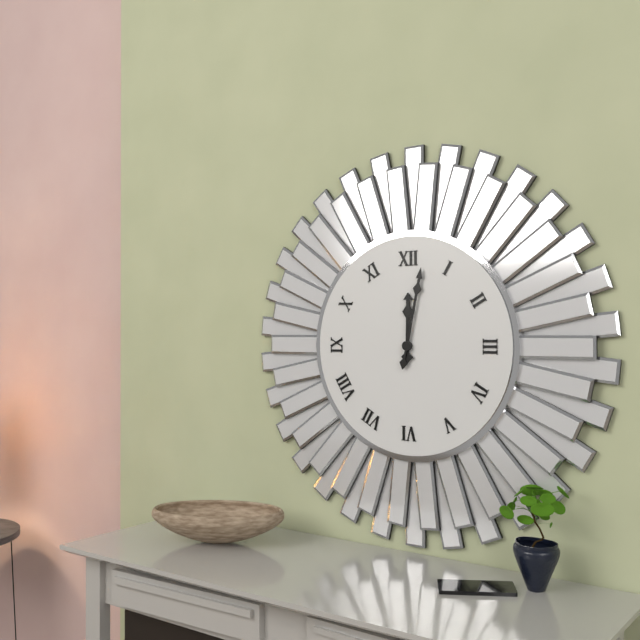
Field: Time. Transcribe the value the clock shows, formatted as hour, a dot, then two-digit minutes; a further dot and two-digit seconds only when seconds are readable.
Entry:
12.02
